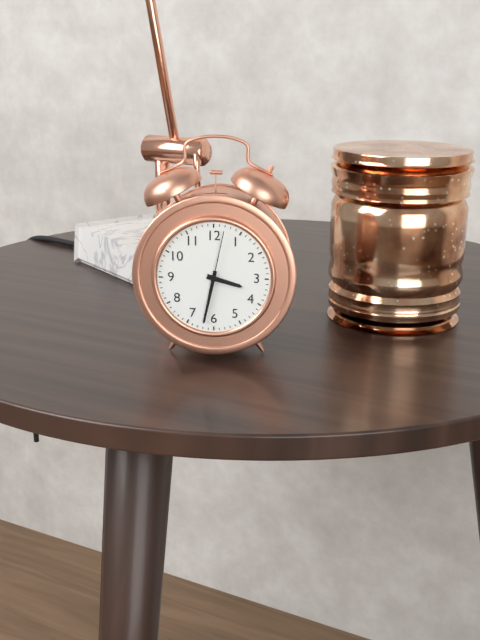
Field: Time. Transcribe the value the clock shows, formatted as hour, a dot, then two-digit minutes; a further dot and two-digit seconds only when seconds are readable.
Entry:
3.32.02
